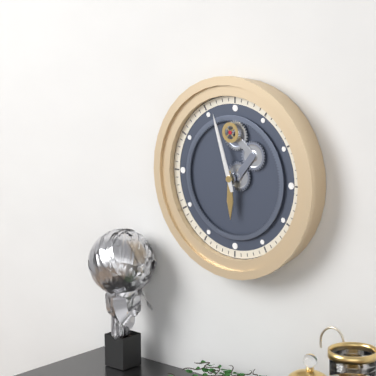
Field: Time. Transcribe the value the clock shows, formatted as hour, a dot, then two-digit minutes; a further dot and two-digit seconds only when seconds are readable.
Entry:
5.57
